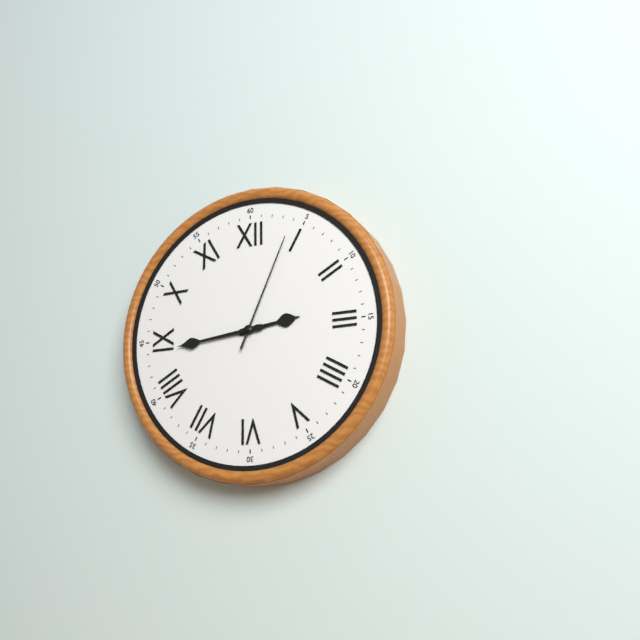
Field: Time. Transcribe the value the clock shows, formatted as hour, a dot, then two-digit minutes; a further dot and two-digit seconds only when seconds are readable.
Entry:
2.44.04
